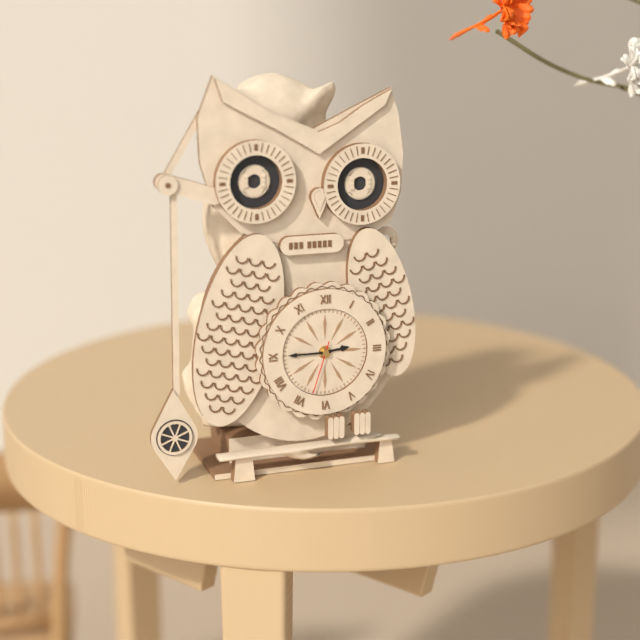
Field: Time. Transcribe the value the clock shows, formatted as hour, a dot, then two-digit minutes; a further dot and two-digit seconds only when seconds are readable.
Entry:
2.45.33
